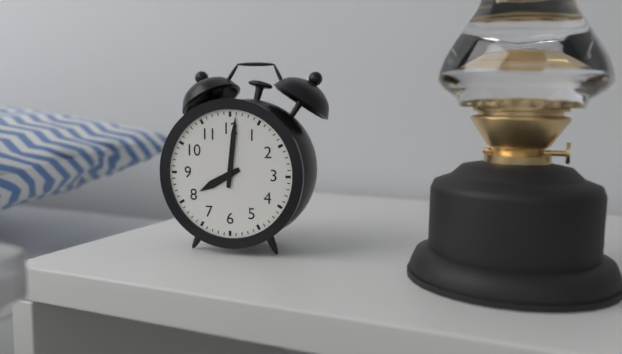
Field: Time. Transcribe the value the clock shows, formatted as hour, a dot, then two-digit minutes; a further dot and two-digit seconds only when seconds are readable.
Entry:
8.01
